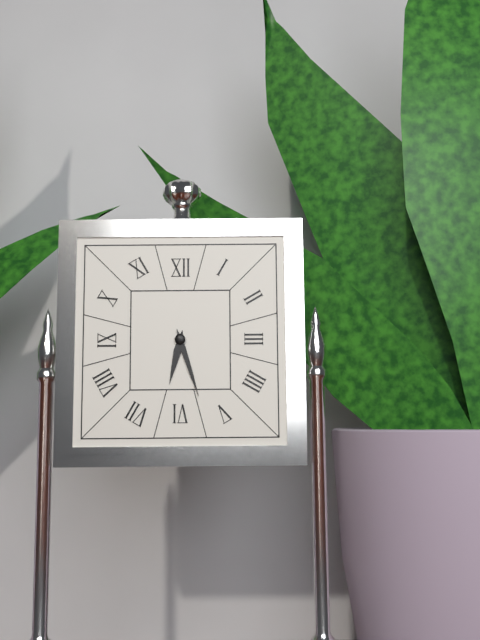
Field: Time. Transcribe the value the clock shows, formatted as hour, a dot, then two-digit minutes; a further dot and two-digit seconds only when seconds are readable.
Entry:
6.27
